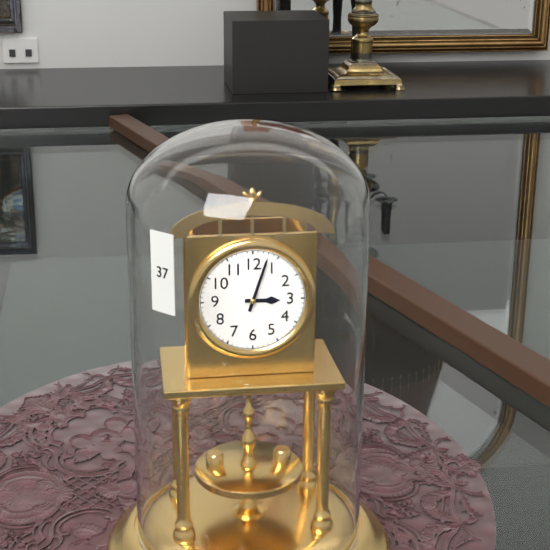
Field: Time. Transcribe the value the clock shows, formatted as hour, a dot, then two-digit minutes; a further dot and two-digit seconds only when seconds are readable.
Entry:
3.03
